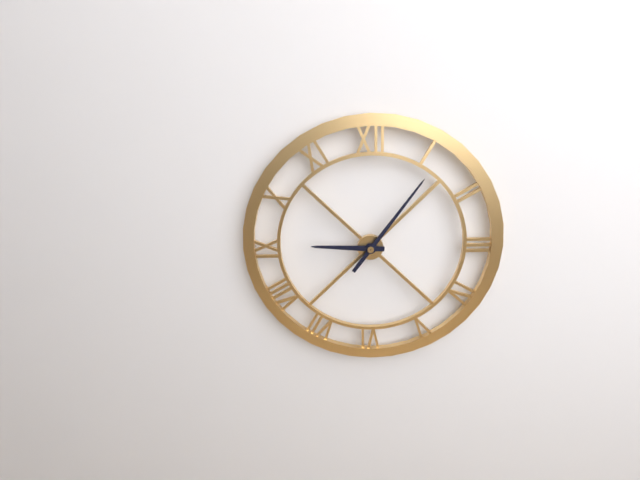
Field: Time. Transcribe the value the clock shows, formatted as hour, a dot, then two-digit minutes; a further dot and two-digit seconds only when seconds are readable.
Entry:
9.06
